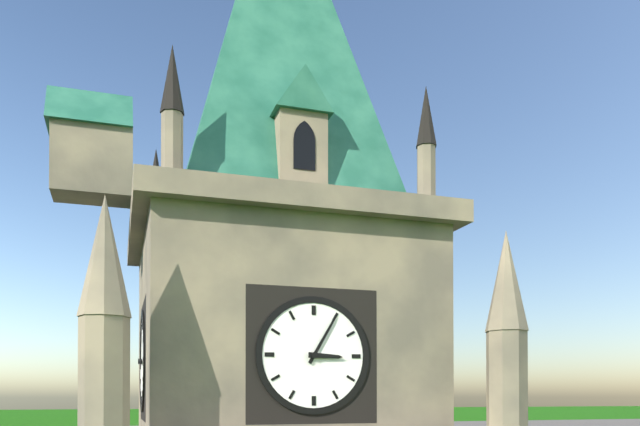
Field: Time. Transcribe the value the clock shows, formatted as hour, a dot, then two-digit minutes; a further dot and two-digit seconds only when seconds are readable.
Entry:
3.05
